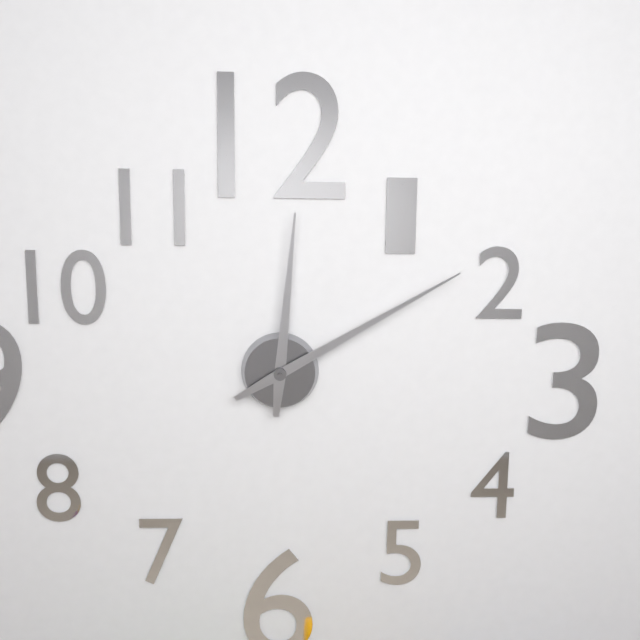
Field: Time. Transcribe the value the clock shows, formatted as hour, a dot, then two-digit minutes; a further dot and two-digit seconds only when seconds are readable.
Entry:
12.10
